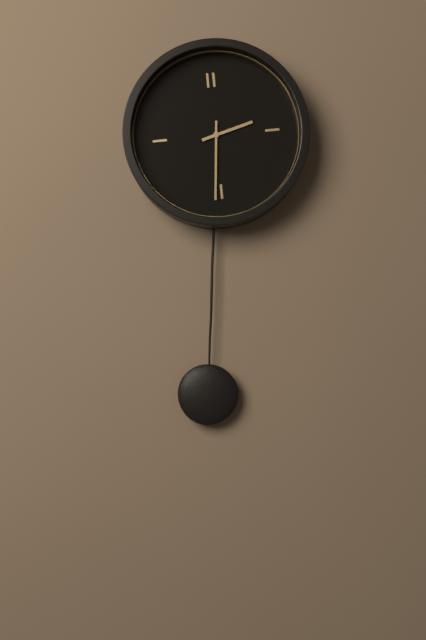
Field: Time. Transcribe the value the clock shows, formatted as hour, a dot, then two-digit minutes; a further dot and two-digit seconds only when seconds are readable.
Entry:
2.31
